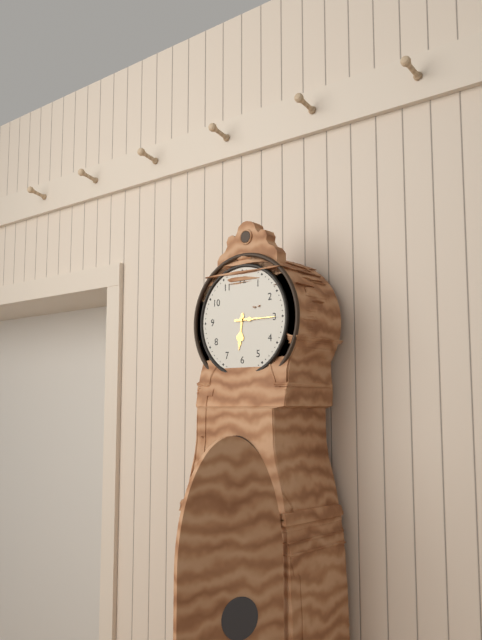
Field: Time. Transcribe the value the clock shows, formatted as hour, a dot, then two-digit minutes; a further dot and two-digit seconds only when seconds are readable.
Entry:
6.15
